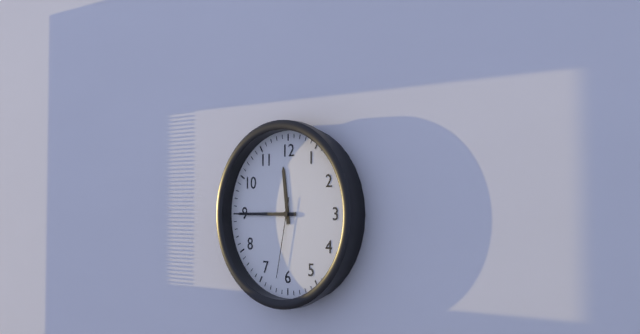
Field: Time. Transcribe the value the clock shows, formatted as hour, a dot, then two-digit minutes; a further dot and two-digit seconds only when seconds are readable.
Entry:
11.45.32
